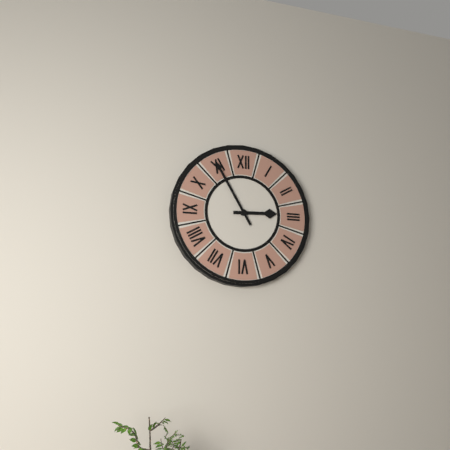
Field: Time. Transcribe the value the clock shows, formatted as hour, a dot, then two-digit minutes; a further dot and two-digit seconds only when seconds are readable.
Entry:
2.55
